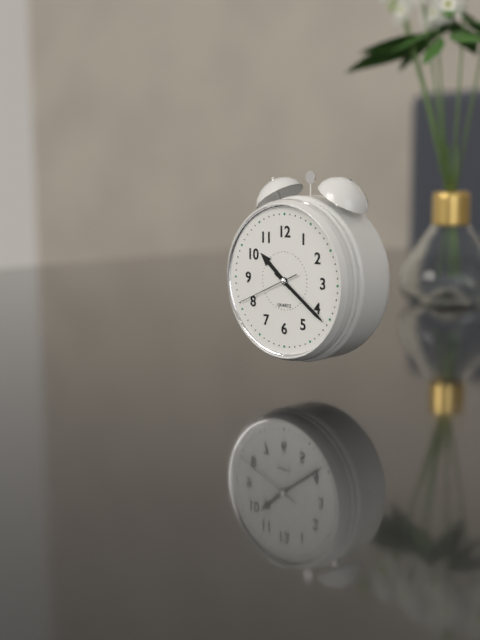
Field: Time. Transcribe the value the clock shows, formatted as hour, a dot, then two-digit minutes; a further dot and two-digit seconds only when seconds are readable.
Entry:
10.21.41
